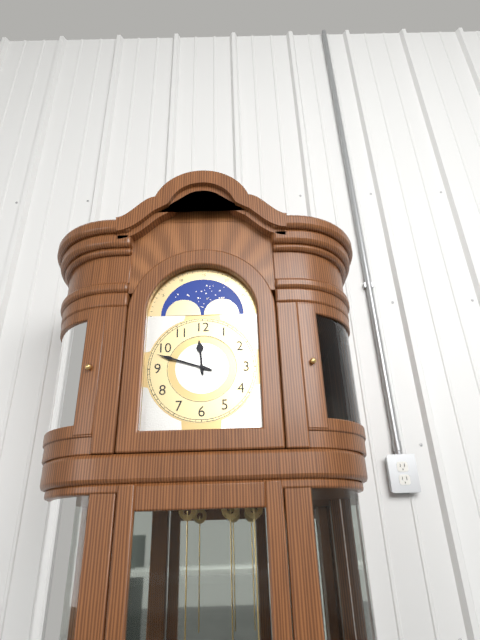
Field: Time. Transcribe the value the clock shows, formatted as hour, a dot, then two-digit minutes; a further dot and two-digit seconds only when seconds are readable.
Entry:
11.48
